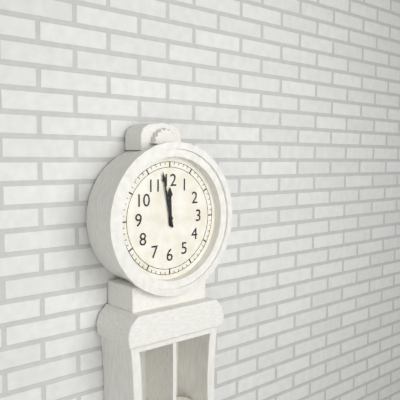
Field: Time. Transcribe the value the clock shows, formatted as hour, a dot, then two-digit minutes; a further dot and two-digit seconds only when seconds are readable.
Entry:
11.58
